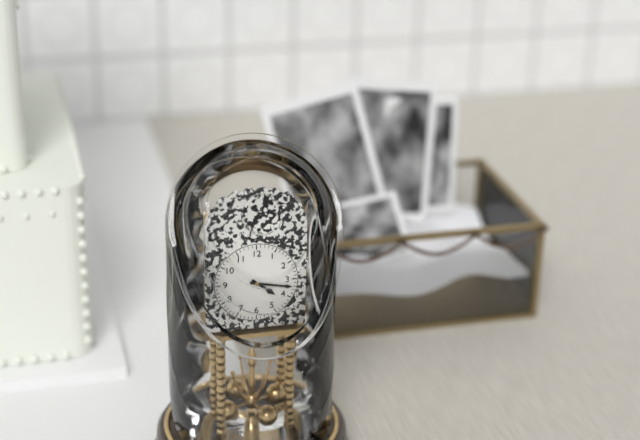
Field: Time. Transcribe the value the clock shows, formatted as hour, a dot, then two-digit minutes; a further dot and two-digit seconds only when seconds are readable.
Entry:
4.17
